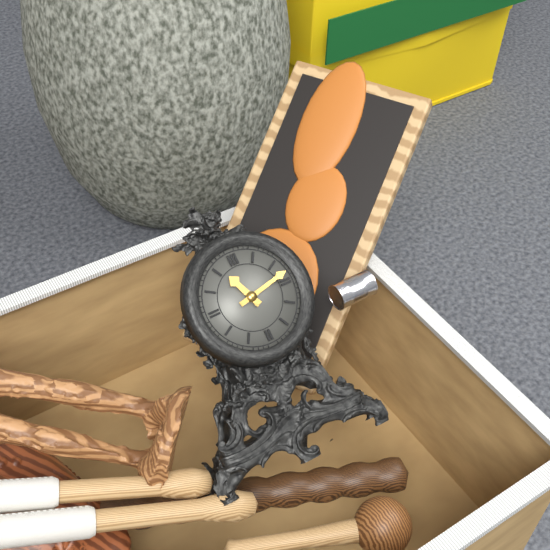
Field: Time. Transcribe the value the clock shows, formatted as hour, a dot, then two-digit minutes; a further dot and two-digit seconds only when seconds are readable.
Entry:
11.13
